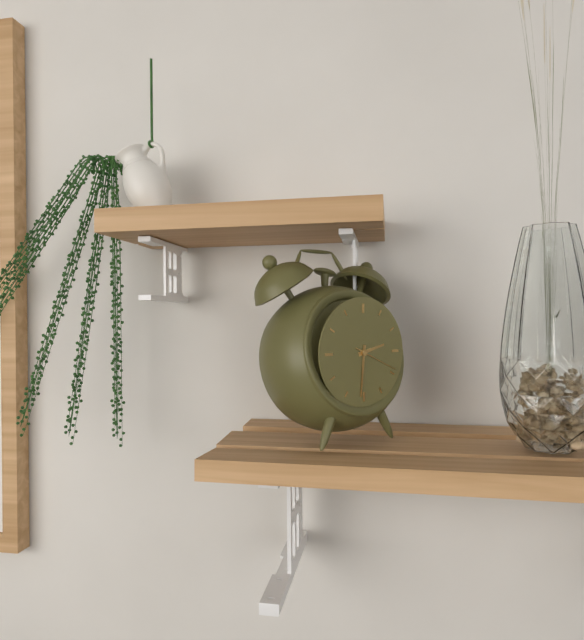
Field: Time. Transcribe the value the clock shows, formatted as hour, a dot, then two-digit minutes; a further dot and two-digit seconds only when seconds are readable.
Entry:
2.31
